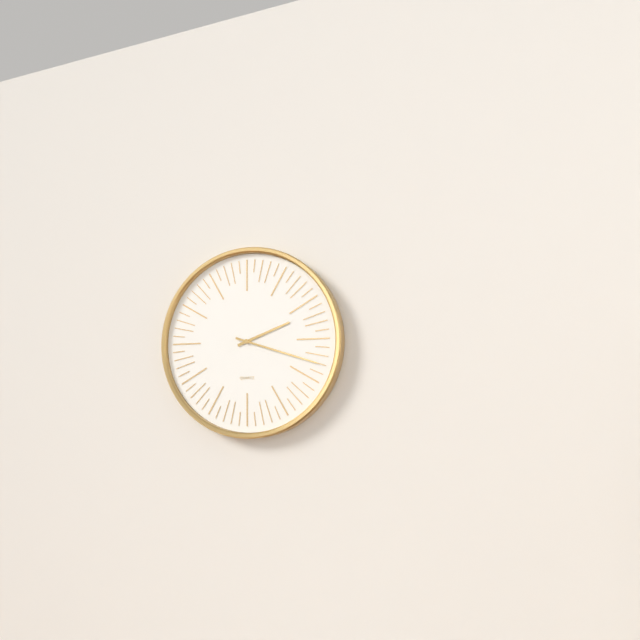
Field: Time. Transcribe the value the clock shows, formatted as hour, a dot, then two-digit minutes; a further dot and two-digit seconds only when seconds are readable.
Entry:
2.18
